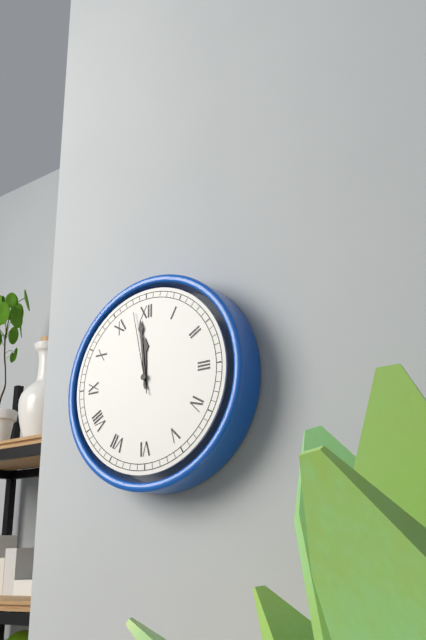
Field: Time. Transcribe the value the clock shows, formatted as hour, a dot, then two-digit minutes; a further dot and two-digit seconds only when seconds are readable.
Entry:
11.59.58
